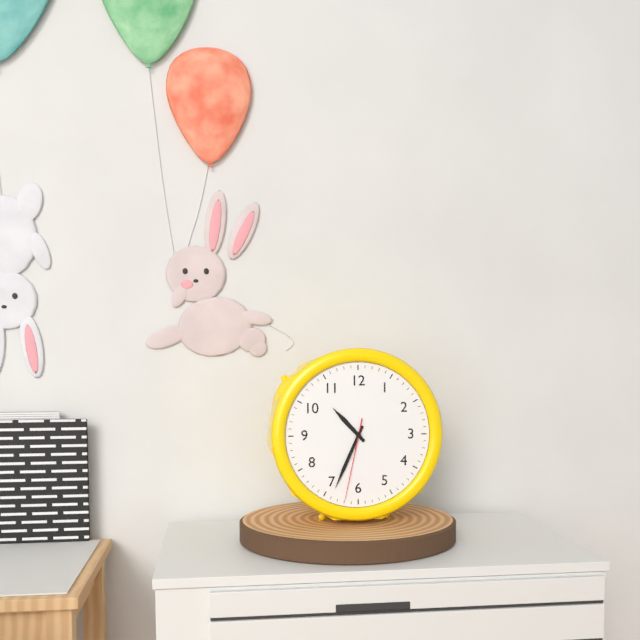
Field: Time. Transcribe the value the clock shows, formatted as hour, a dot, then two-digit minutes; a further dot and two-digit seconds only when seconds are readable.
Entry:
10.34.32
